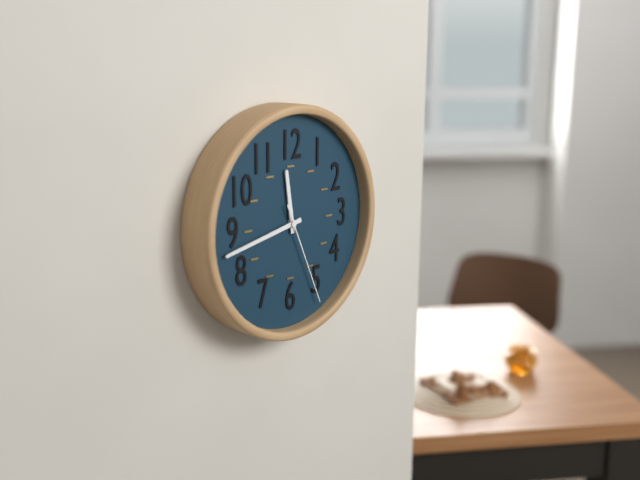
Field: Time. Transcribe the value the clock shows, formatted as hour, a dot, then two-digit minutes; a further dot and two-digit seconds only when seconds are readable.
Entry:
11.43.26
